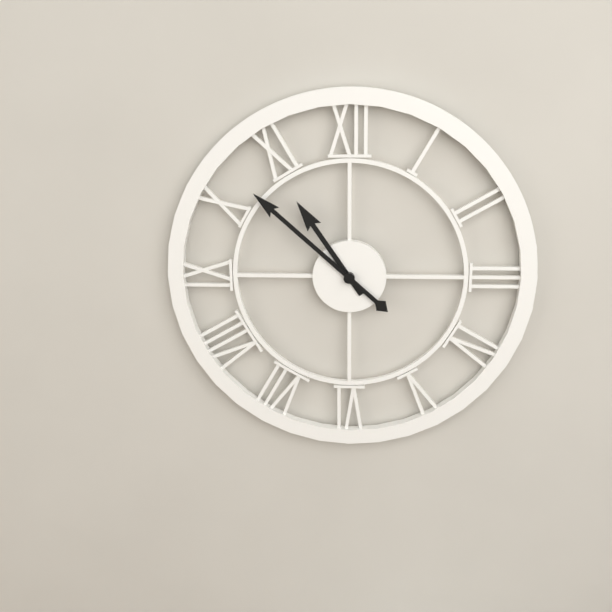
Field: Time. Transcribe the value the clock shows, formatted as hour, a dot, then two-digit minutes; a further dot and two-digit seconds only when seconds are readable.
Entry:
10.52
